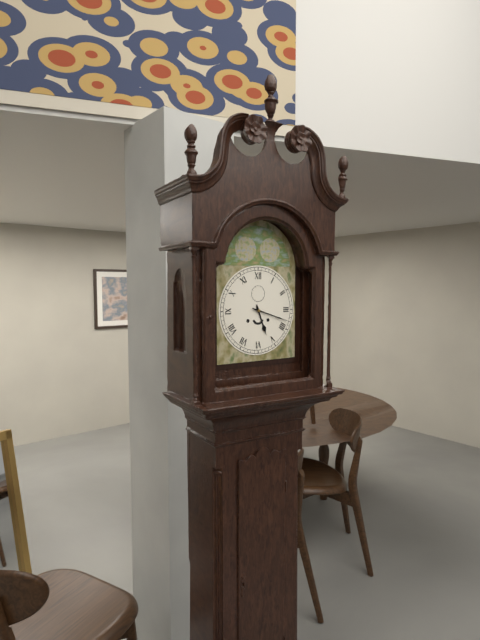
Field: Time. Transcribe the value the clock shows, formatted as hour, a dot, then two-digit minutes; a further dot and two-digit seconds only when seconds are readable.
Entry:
5.18
